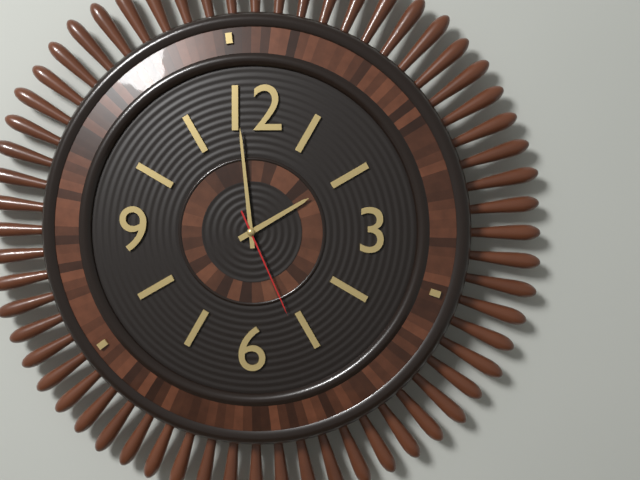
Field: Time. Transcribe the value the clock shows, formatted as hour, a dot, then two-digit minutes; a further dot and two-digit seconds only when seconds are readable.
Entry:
1.59.26
